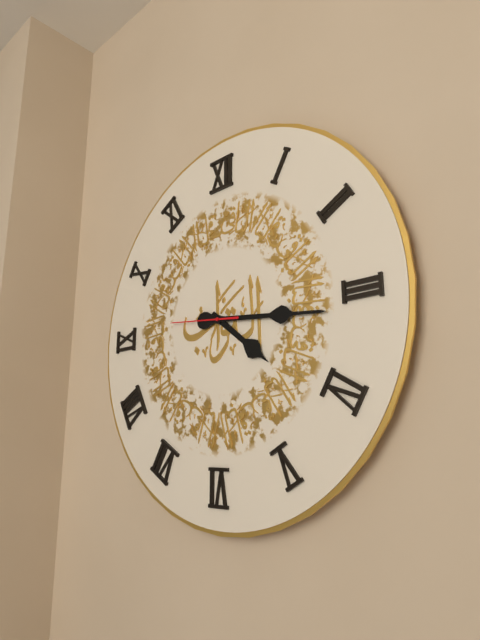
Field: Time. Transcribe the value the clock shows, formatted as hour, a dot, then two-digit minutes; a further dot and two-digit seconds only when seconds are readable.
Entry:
4.16.46
